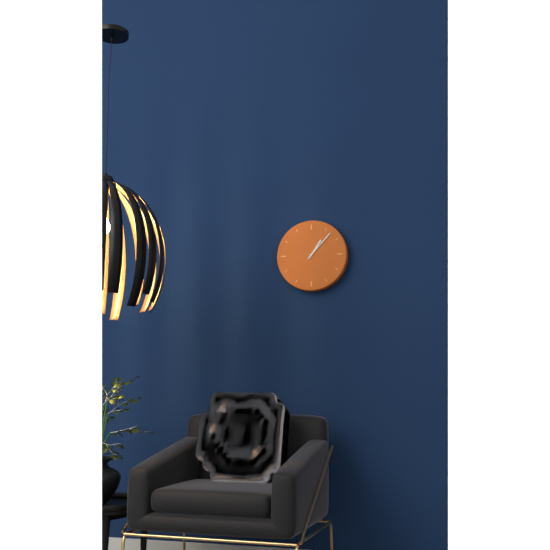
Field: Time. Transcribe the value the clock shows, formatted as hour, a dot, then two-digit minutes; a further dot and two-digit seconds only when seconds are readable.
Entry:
1.07
